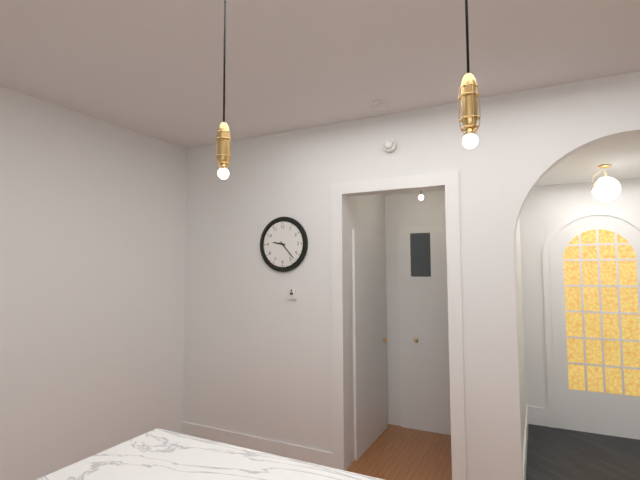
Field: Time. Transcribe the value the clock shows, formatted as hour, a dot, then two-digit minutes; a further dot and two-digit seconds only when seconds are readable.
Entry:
9.23
